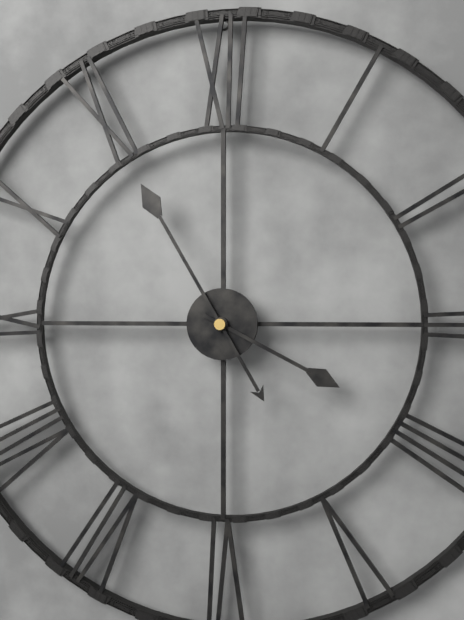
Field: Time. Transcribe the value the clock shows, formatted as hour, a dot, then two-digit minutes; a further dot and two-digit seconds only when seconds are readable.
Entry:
3.55
